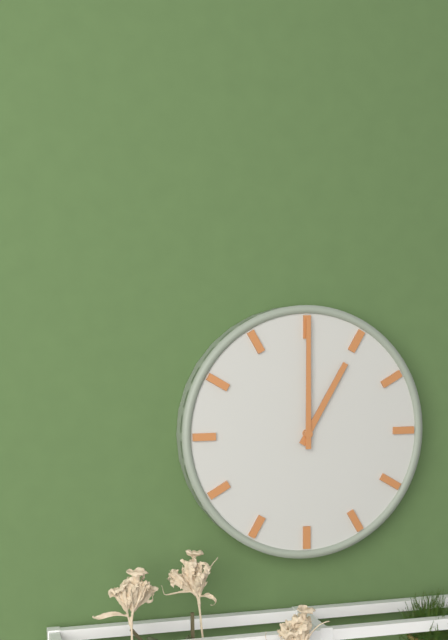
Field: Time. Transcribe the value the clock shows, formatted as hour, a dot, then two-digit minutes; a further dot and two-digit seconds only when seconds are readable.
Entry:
1.00
